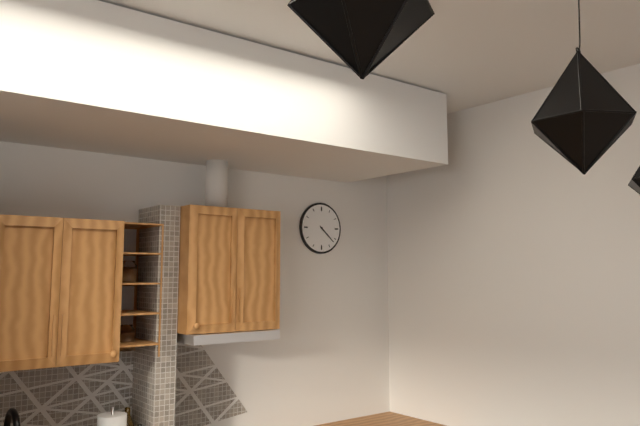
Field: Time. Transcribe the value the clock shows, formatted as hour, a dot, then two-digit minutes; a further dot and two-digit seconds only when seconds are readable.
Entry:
4.22
